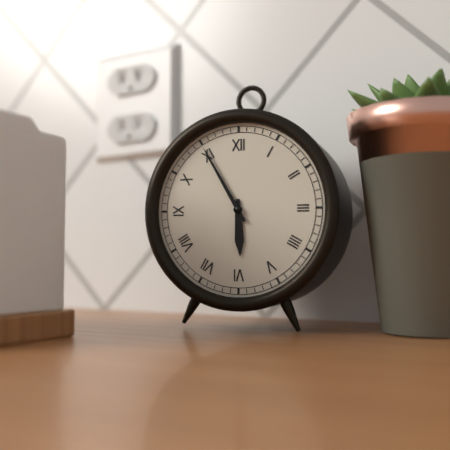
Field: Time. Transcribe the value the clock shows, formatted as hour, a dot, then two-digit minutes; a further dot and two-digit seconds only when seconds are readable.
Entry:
5.55
